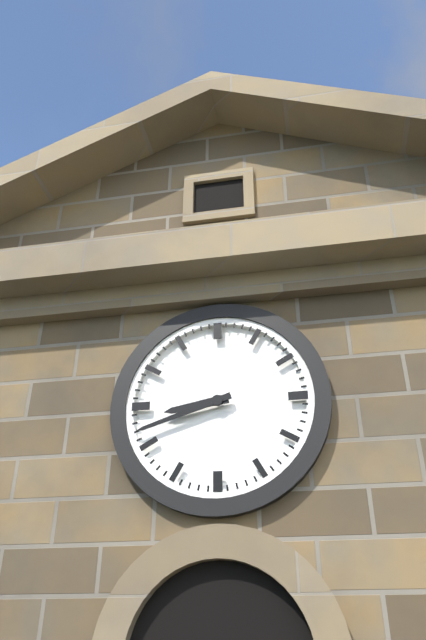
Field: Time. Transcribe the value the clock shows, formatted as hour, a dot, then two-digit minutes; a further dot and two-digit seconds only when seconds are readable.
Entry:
8.42
